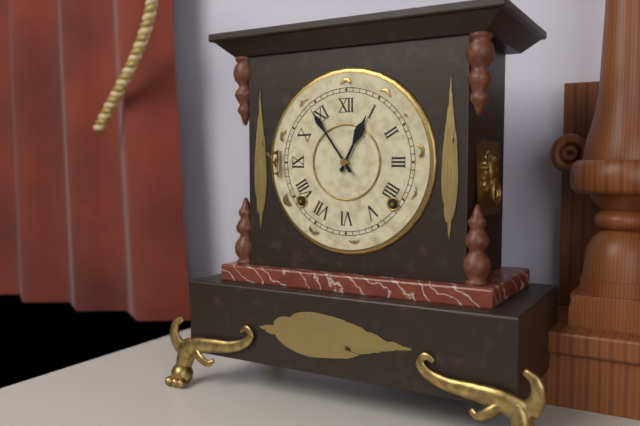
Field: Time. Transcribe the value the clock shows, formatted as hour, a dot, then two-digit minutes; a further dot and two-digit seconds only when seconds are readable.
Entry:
12.54
